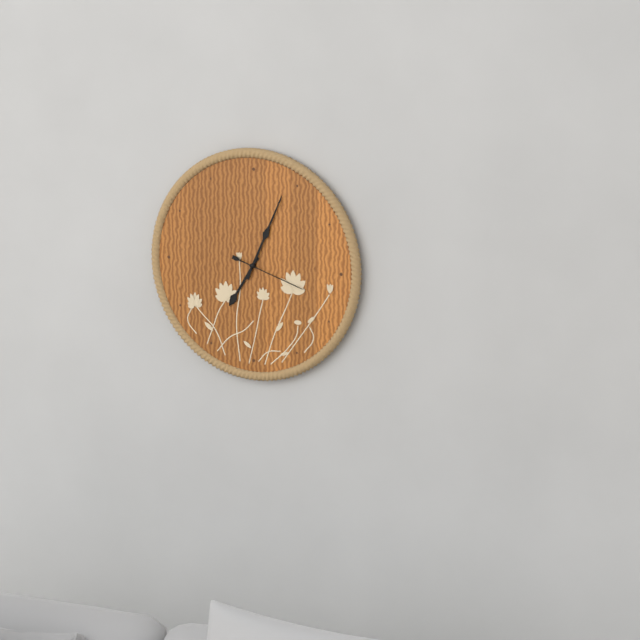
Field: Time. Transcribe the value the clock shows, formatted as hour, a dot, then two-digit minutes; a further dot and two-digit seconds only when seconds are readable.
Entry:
7.04.18
